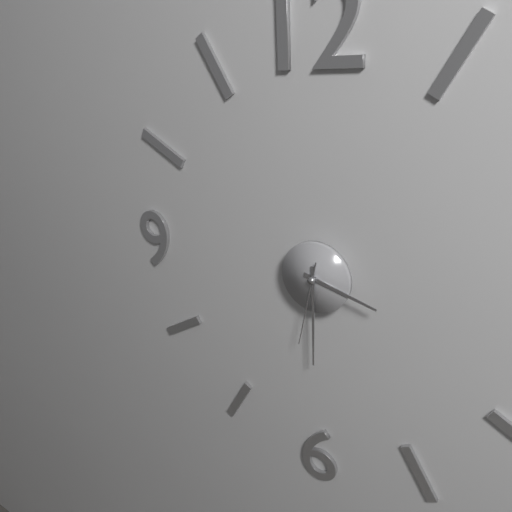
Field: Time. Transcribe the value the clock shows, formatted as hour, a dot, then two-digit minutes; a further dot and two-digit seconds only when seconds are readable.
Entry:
3.30.32
